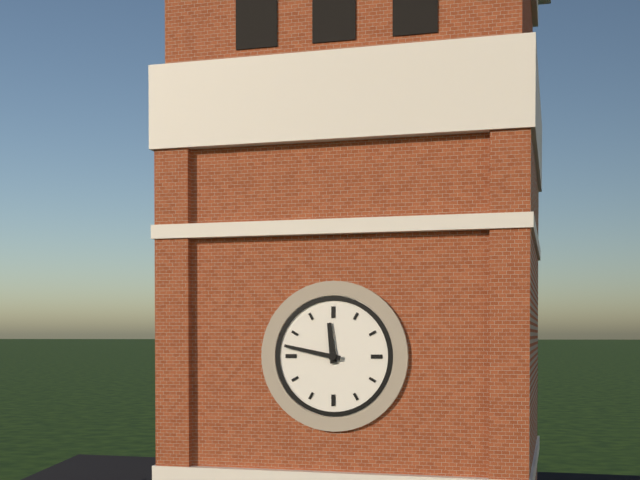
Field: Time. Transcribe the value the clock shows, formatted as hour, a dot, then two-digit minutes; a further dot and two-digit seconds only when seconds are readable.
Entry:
11.47
